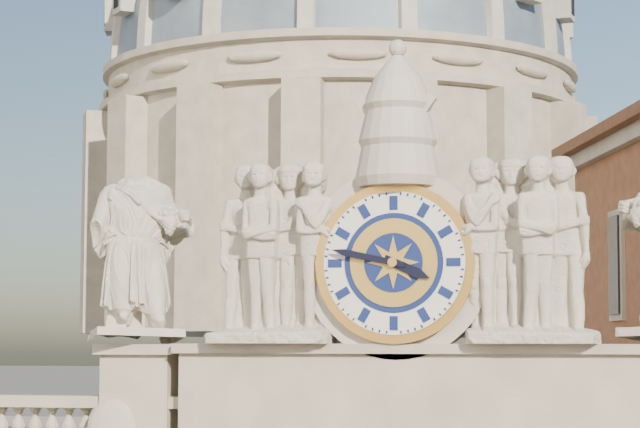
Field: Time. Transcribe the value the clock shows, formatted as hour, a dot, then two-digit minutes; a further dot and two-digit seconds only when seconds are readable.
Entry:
3.47
